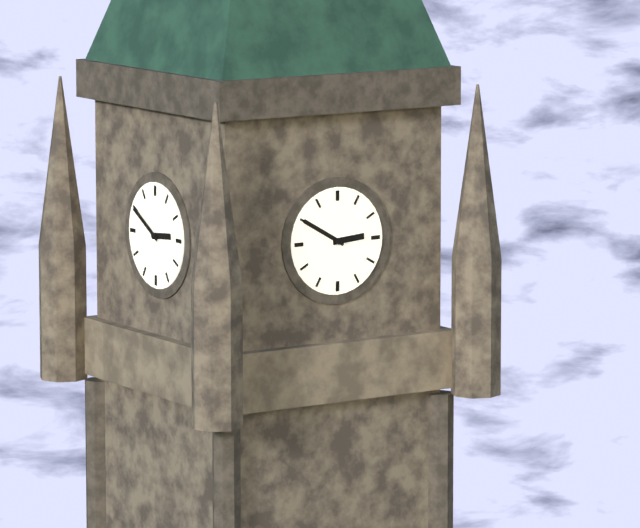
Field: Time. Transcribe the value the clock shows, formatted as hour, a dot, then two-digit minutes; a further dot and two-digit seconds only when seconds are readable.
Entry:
2.50
